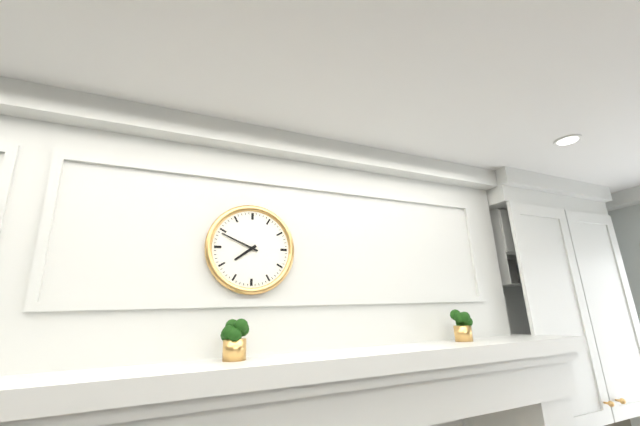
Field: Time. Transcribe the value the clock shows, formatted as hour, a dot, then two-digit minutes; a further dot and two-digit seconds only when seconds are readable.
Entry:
7.49
